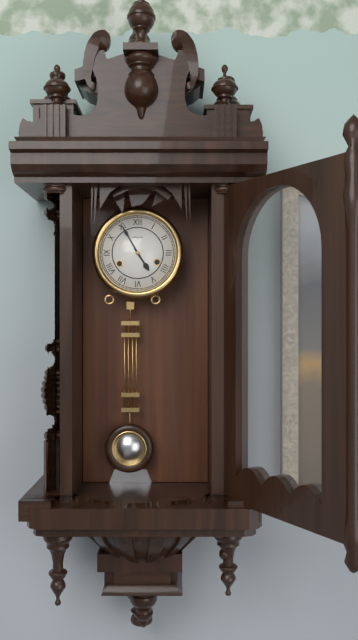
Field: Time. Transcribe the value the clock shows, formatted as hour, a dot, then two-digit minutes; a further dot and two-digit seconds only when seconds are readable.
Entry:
4.55
